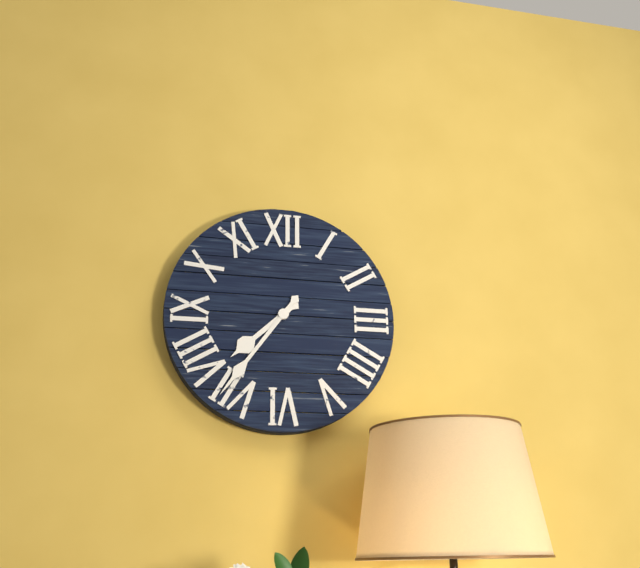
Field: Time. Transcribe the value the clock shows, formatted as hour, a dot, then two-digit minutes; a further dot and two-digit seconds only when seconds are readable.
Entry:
7.36
